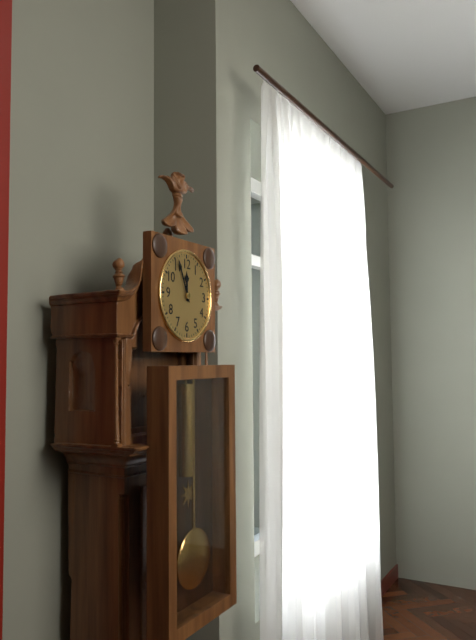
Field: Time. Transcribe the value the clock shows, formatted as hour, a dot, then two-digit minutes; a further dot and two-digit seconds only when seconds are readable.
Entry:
11.56
